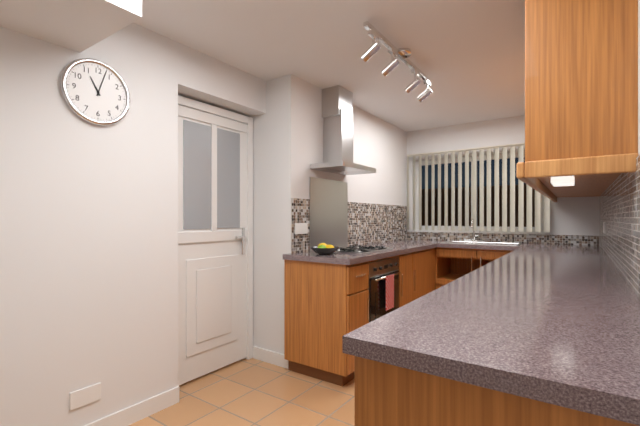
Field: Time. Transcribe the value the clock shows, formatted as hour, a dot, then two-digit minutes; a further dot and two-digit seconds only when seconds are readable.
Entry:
11.03
